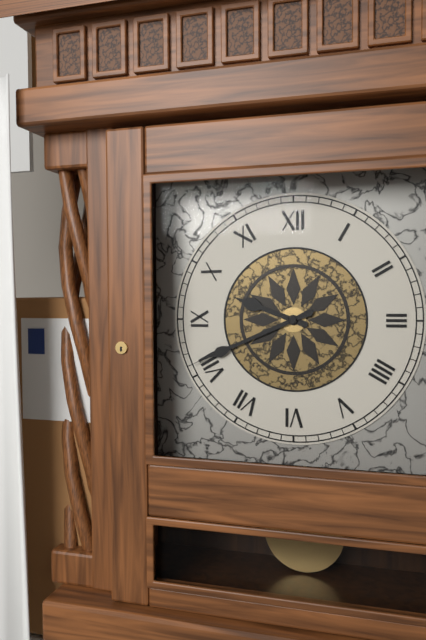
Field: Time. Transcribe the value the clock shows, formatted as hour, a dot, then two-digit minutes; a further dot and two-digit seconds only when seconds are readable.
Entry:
9.41
